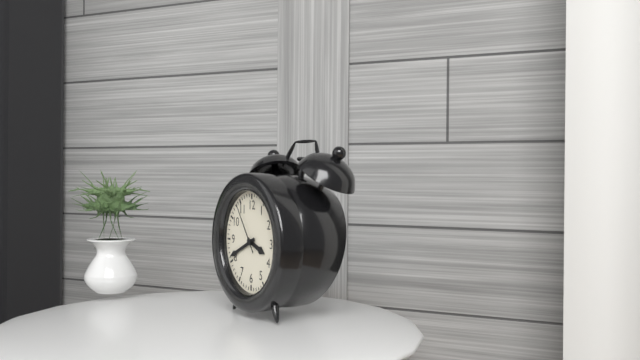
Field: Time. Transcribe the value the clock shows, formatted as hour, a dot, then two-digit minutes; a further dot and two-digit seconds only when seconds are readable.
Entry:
3.41.54
